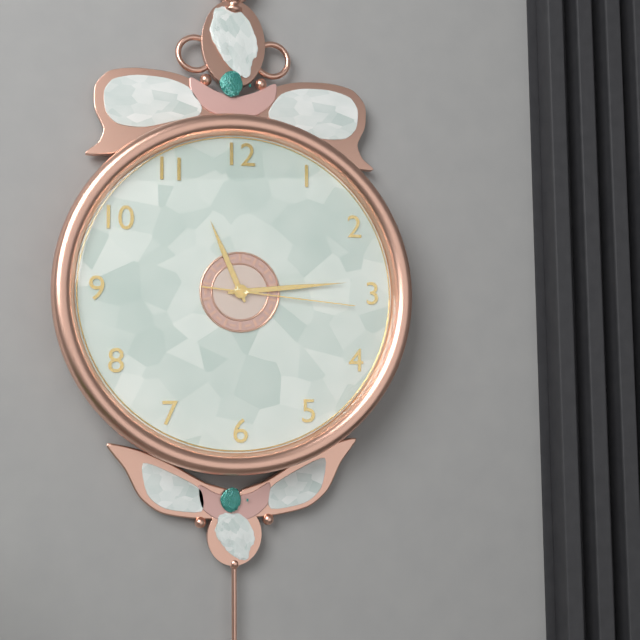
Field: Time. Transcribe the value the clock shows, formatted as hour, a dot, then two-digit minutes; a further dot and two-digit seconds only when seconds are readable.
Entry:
11.14.16
